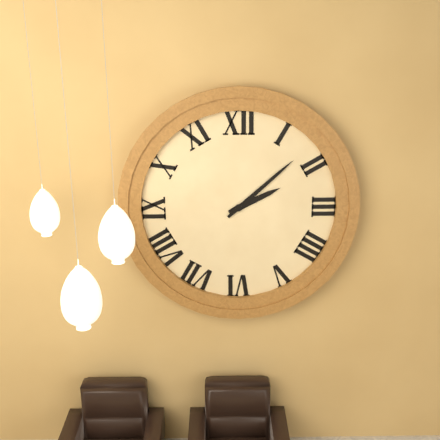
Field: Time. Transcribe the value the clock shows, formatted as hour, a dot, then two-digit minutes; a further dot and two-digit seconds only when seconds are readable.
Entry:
2.08
